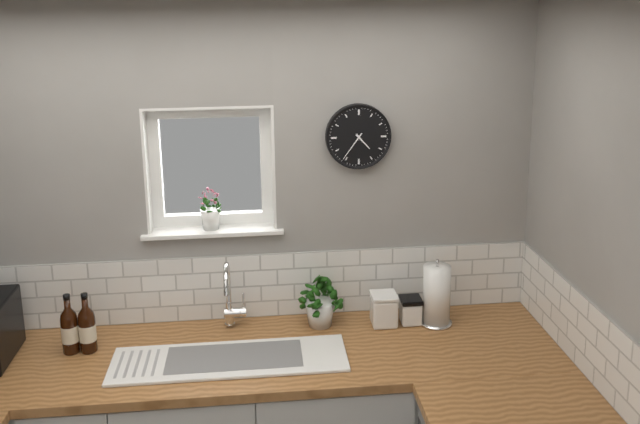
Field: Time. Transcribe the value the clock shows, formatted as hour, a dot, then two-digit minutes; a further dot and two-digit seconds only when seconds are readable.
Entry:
4.36
